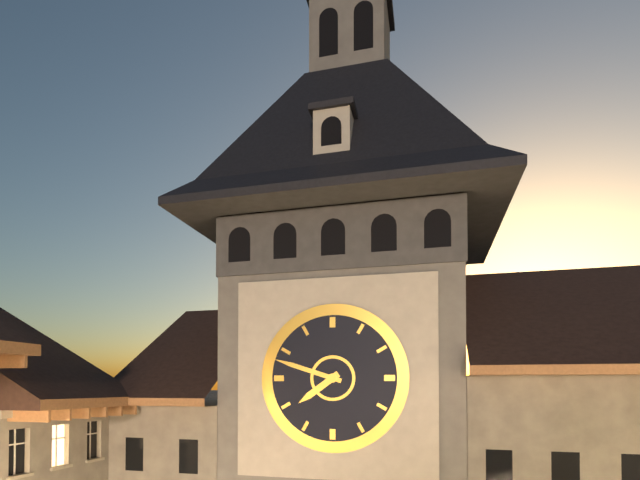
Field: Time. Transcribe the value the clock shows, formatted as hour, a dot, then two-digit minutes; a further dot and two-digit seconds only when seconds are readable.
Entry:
7.48
